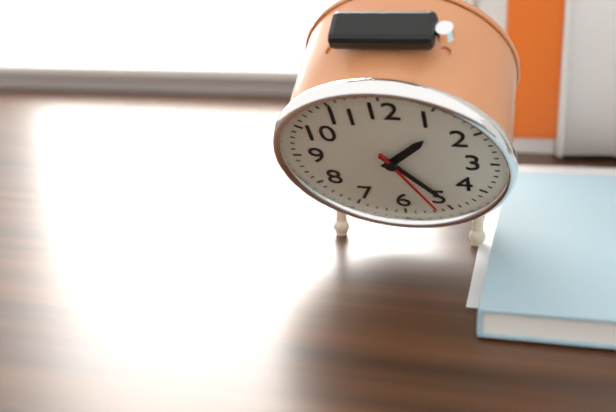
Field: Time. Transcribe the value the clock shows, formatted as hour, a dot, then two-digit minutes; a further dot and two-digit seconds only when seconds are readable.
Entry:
1.24.26
